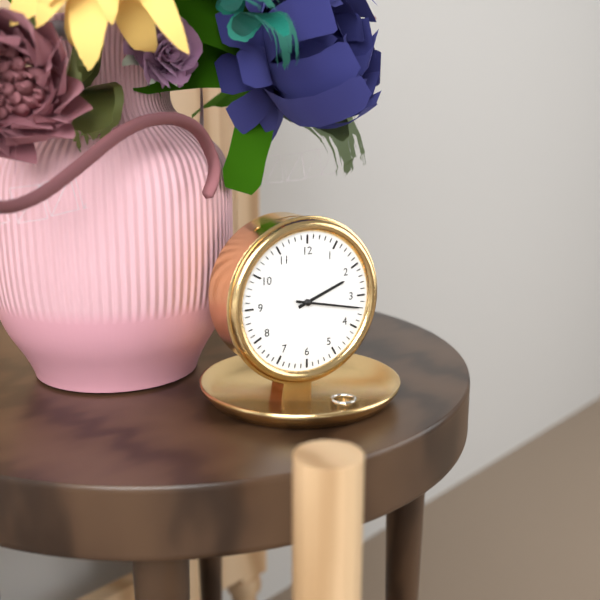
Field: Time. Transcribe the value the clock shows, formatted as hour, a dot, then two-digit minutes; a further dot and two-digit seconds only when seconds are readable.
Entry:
2.17
